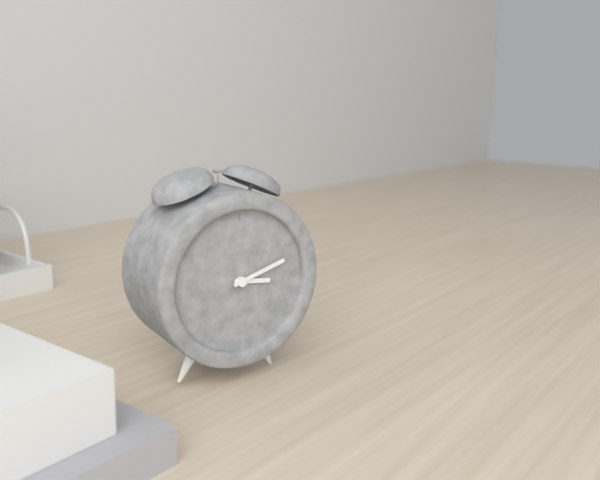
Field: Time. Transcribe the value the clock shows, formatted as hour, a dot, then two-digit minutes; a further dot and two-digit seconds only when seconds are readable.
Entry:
3.12
